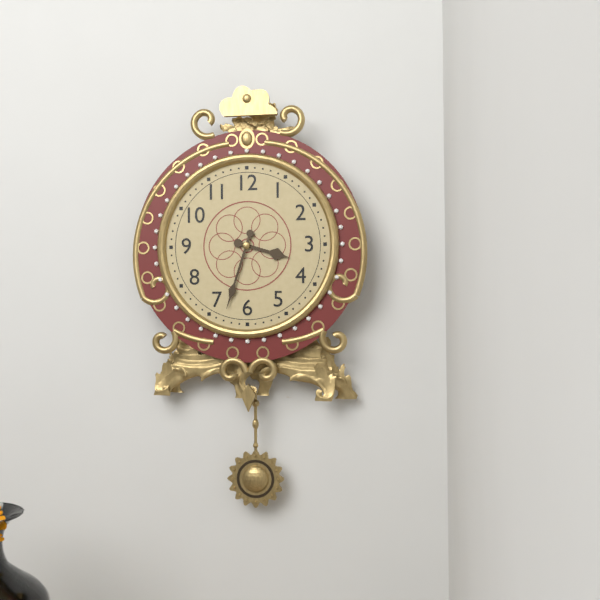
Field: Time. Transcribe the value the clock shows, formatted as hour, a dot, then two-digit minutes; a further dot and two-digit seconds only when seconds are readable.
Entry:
3.33
